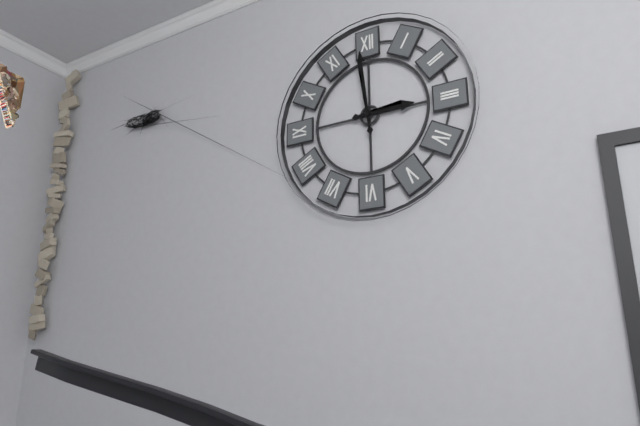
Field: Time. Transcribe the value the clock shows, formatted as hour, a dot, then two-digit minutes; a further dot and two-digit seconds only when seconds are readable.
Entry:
2.59
